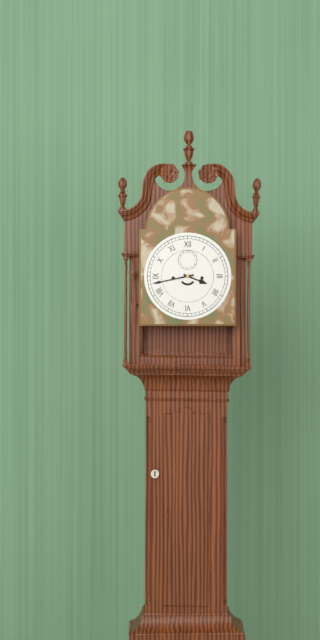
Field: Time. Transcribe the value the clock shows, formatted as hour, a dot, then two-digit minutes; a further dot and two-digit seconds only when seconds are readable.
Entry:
3.43
